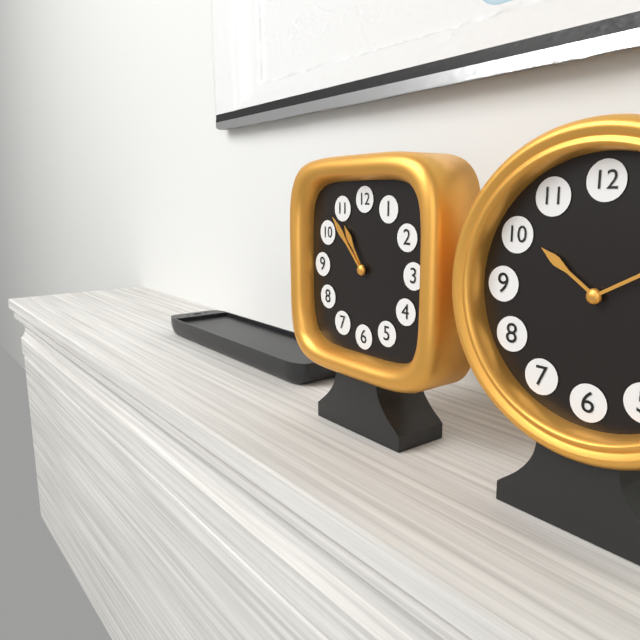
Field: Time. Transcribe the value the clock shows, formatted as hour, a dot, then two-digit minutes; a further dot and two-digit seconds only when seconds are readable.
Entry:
10.53
